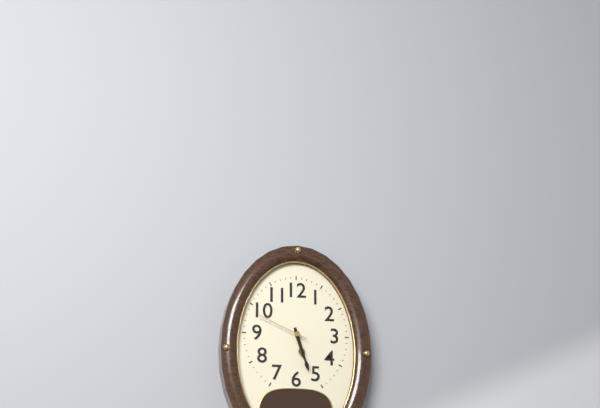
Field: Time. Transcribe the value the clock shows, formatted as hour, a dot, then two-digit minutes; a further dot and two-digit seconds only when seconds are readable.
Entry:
5.27.49
